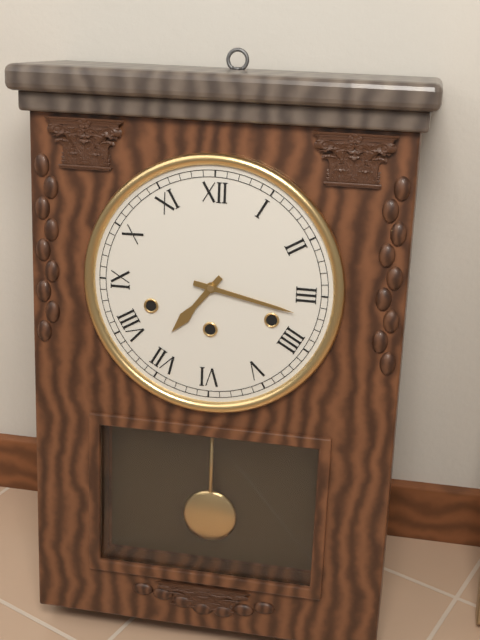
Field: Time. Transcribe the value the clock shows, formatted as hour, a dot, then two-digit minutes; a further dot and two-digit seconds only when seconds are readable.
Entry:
7.17
